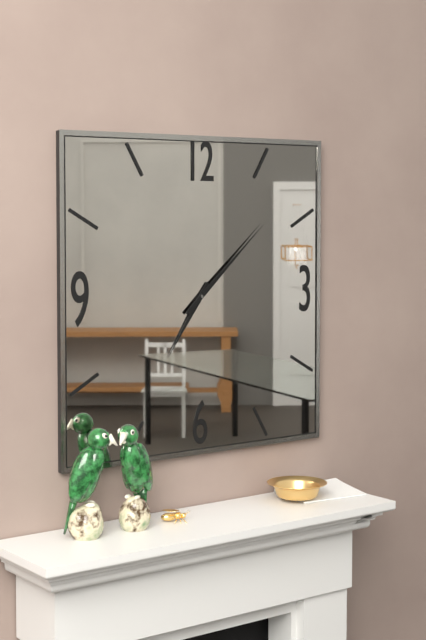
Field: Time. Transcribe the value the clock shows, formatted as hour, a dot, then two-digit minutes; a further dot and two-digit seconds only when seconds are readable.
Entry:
7.08
